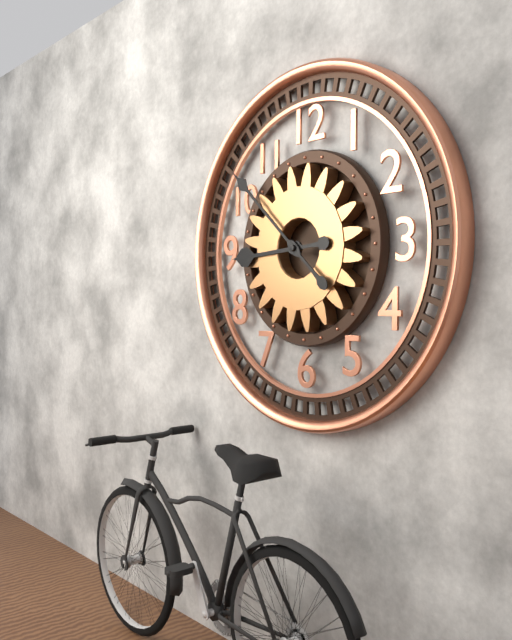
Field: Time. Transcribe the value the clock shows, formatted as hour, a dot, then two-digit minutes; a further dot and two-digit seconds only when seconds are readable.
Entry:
8.52
